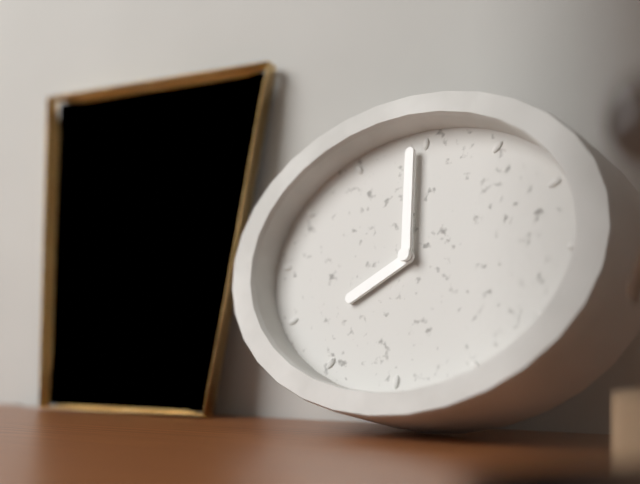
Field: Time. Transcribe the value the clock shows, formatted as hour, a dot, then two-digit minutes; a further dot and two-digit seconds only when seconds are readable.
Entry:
7.59
